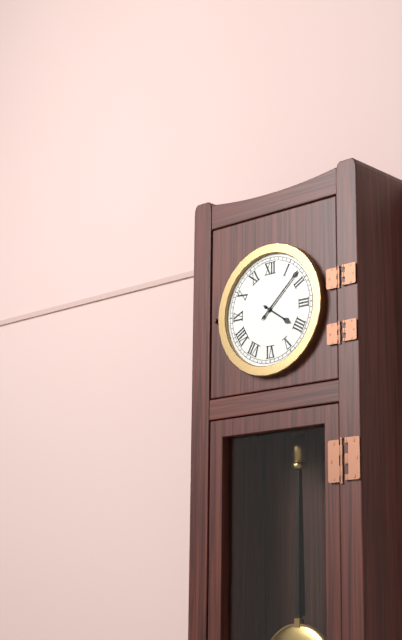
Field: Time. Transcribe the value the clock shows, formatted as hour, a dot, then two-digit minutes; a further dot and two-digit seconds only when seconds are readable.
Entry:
4.08
